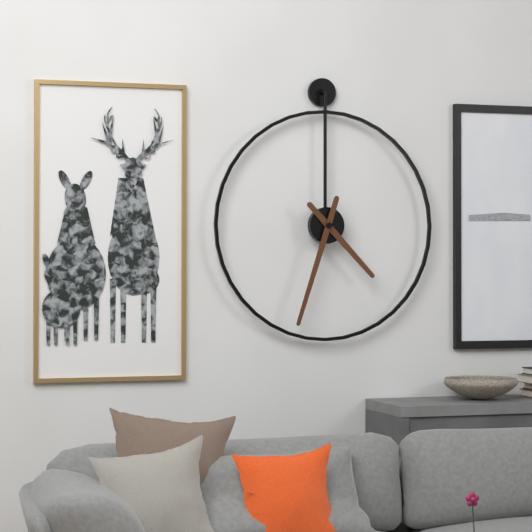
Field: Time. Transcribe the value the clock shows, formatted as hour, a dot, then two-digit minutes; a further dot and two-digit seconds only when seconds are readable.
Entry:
4.33
